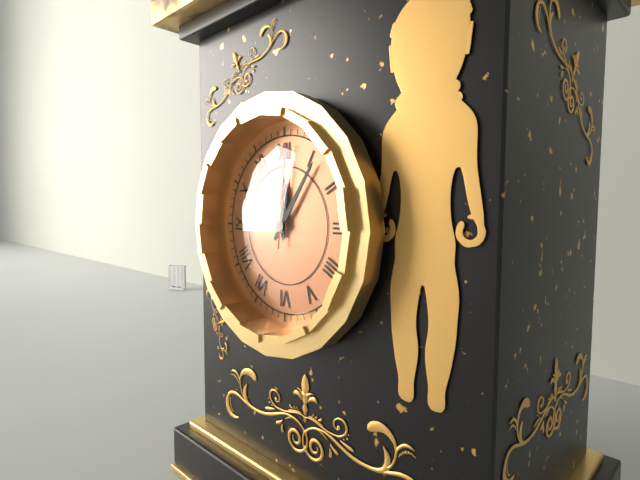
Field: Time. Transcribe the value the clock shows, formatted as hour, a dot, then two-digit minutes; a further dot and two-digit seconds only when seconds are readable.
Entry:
12.06.01
